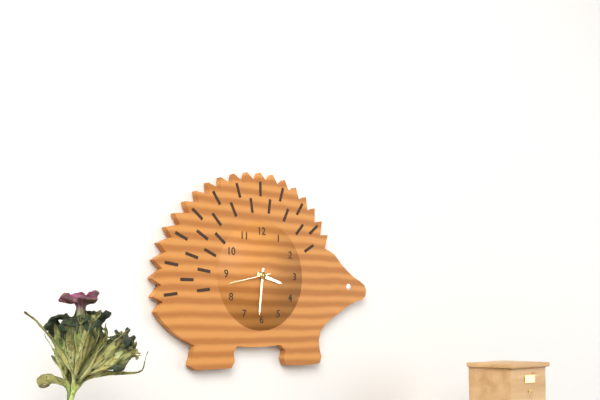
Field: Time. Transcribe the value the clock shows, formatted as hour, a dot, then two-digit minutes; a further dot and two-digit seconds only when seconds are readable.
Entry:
3.31
